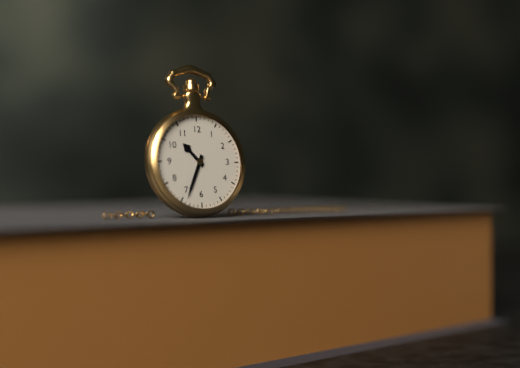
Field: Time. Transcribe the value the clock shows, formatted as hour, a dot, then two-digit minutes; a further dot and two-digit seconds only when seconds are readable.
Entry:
10.34
